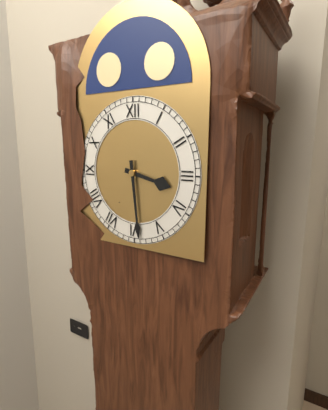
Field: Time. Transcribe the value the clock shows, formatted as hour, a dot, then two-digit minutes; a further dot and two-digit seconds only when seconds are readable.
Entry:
3.29
